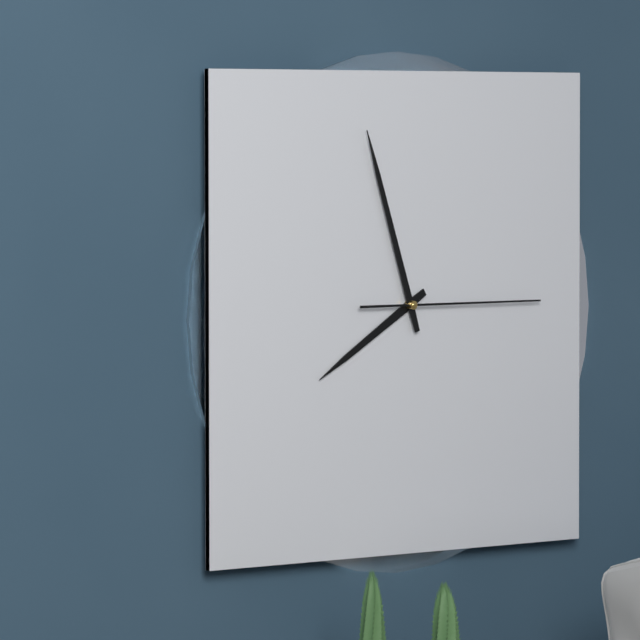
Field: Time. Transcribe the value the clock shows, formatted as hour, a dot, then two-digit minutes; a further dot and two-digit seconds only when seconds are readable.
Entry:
7.57.15
